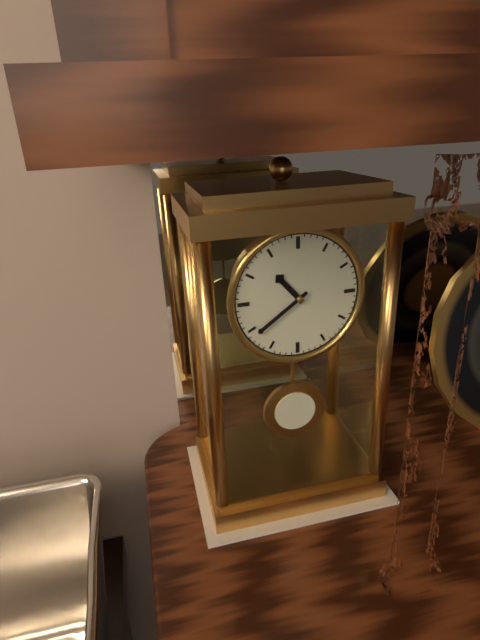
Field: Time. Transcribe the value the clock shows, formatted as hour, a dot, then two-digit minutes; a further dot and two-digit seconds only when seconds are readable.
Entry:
10.39
